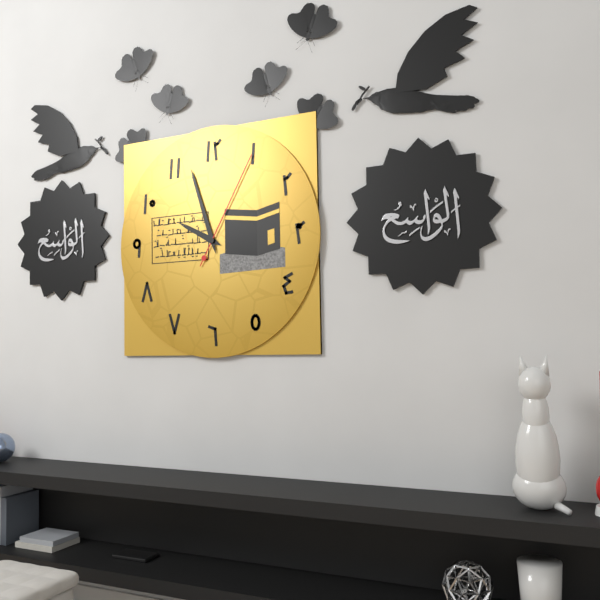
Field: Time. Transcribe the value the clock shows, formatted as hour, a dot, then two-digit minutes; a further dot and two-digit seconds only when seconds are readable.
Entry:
9.57.05
